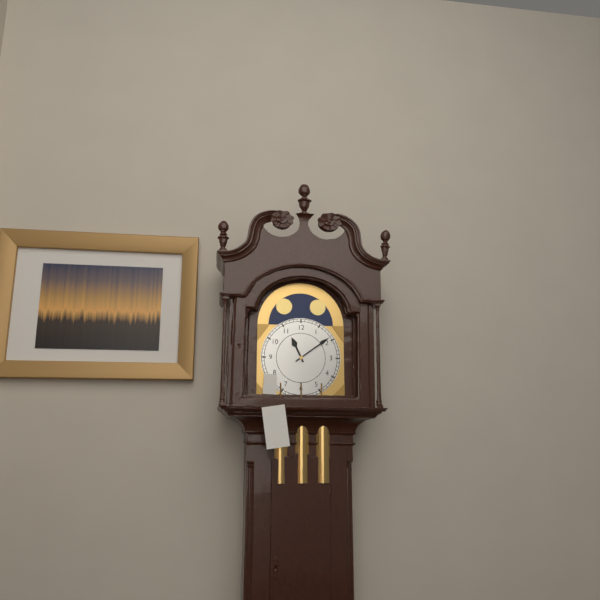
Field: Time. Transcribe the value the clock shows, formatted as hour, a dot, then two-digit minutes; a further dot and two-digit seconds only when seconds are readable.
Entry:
11.09
